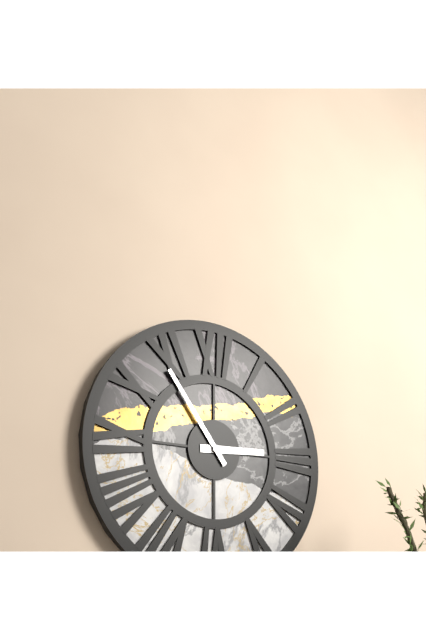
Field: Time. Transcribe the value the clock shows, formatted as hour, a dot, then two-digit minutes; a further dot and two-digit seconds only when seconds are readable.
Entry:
2.54
